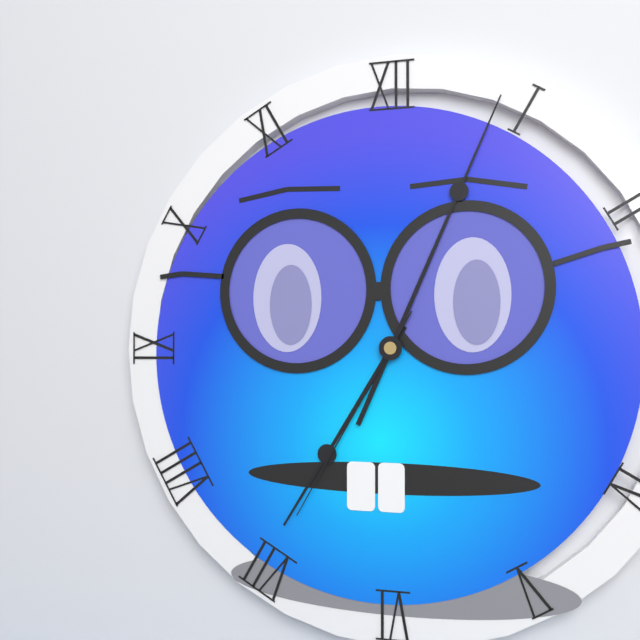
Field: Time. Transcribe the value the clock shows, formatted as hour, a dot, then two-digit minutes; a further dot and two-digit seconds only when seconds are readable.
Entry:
7.04.35
